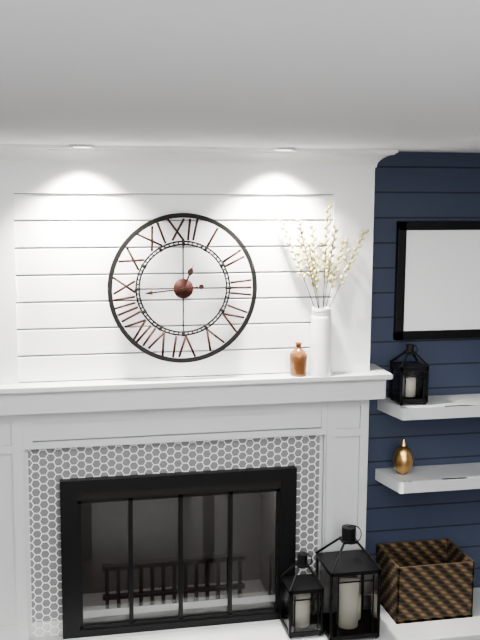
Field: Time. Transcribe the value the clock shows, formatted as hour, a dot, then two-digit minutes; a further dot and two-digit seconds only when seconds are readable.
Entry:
12.44
